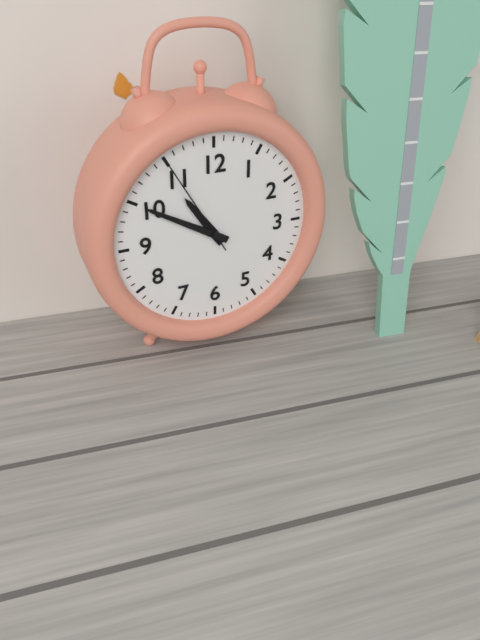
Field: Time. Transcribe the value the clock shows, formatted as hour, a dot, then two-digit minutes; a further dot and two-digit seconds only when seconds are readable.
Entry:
10.50.55
